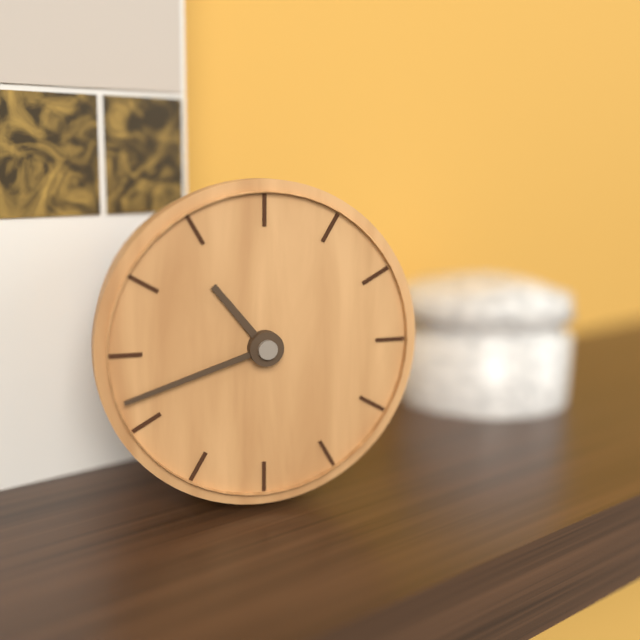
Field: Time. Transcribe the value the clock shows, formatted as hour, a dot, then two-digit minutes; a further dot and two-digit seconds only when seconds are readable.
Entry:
10.42
